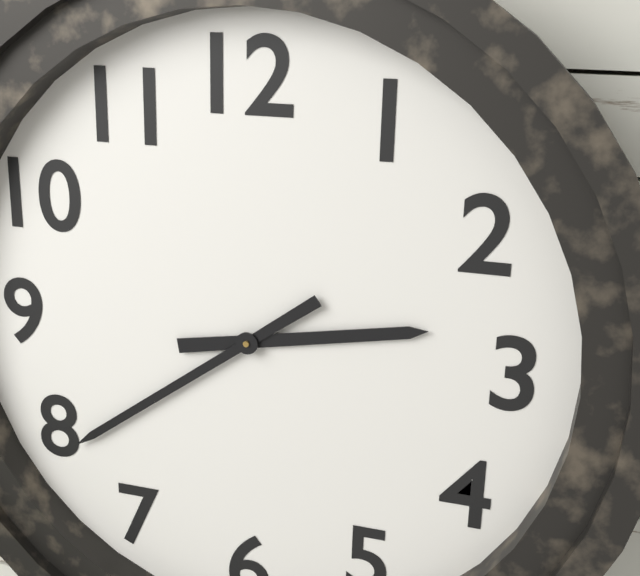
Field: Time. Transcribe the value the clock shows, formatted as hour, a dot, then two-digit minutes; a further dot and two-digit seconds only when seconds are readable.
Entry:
2.39
